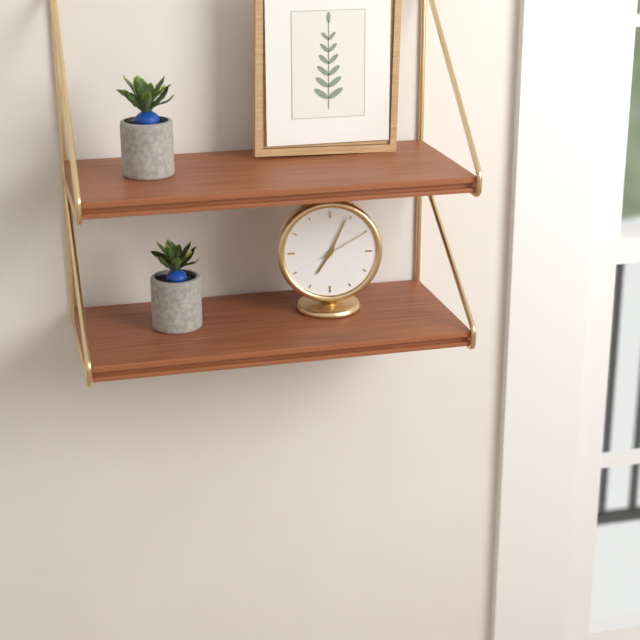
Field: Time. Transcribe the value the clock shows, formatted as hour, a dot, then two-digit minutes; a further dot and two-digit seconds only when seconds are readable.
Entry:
7.04.10
